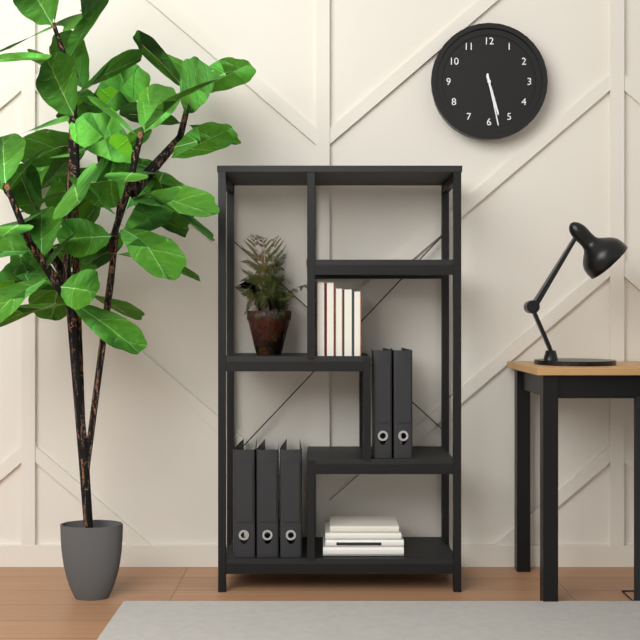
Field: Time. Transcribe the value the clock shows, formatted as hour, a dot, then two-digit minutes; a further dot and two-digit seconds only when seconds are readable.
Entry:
5.28
